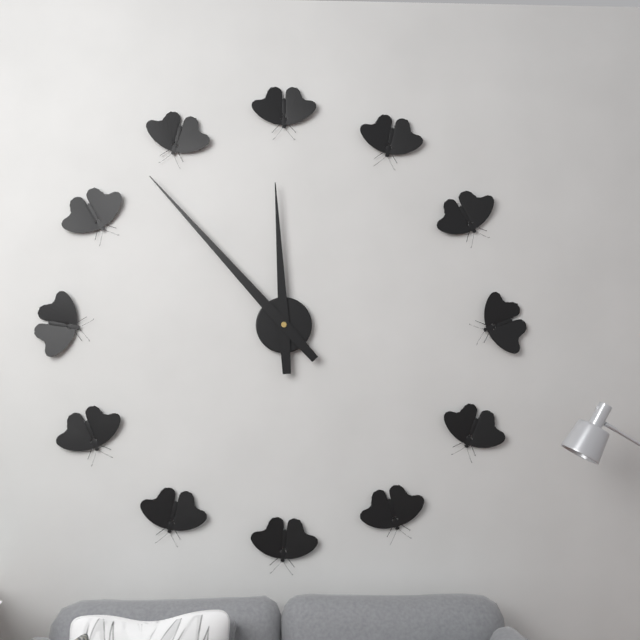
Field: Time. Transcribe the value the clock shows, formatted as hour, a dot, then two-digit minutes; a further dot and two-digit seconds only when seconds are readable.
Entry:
11.53
